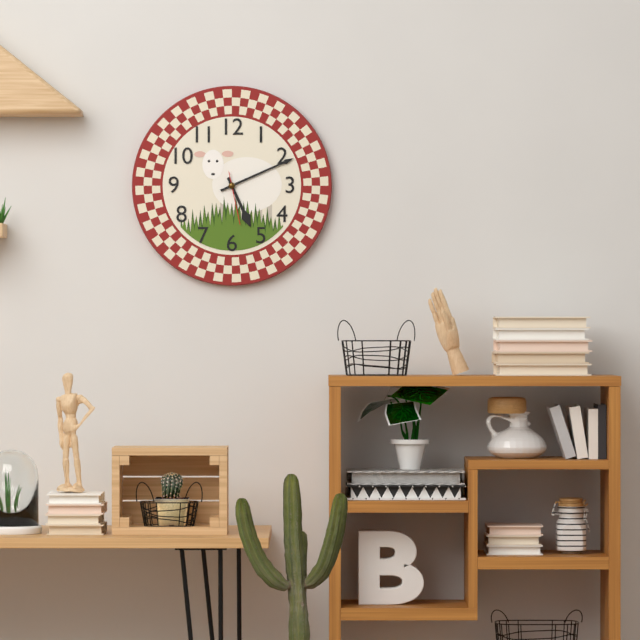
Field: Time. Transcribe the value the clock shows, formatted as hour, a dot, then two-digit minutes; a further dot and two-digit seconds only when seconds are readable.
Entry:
5.11
